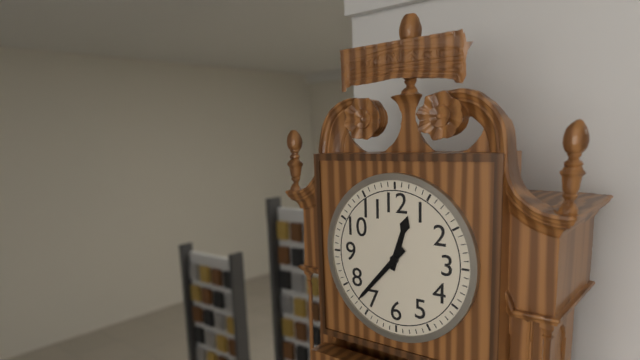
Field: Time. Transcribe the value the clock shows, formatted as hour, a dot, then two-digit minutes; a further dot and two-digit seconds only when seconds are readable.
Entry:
12.37
